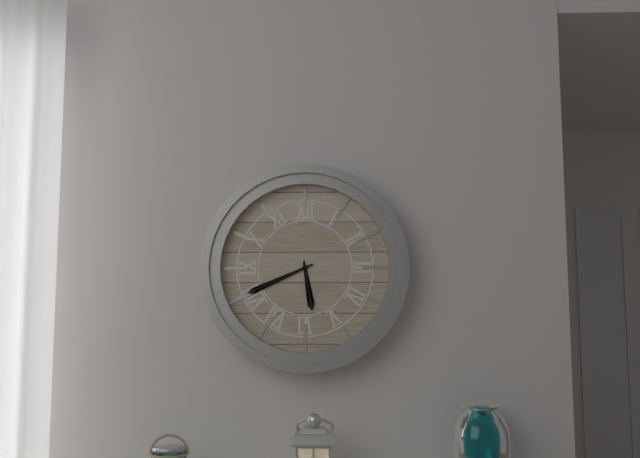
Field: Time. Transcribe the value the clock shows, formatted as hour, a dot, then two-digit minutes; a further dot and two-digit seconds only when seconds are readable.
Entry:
5.41
